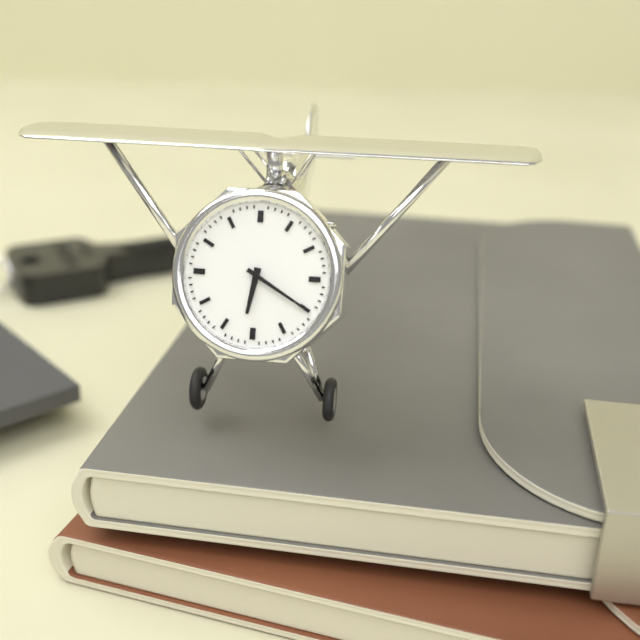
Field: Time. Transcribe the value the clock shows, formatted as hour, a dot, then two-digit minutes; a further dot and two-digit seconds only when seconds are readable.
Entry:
6.20
